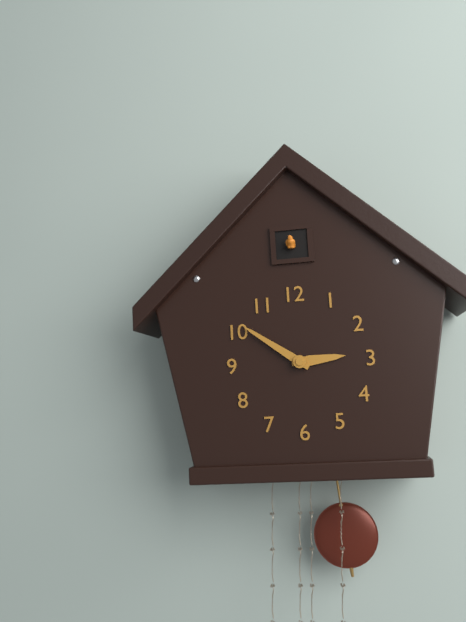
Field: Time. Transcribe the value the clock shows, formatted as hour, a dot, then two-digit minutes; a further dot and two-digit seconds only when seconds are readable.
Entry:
2.51
